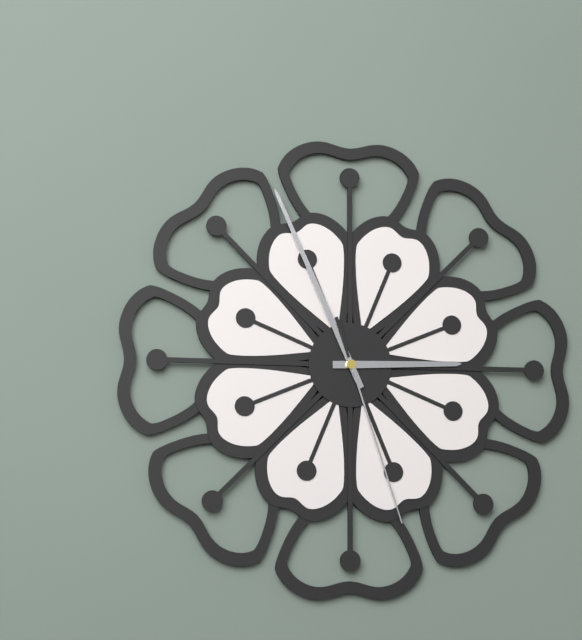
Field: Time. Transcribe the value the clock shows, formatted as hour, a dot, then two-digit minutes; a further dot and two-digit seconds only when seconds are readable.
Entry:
2.56.27
